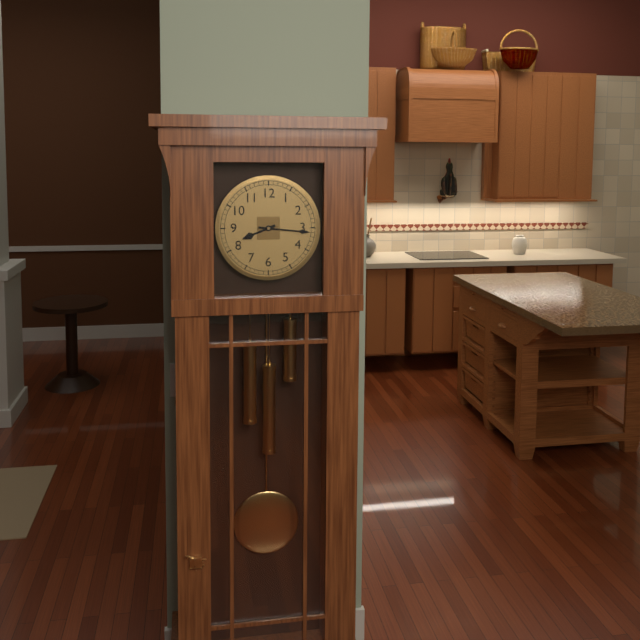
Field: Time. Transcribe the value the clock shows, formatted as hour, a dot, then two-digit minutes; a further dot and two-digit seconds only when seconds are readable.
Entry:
8.16
